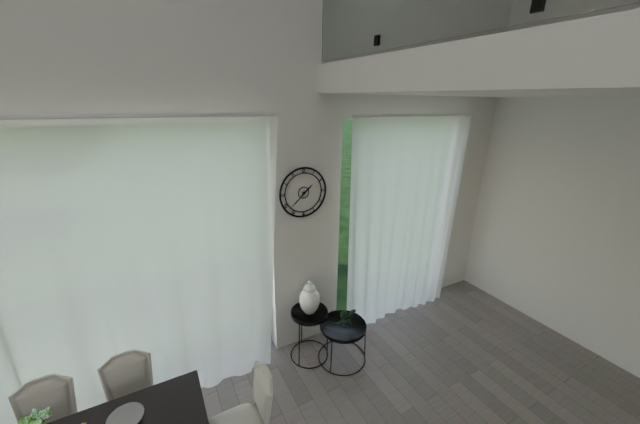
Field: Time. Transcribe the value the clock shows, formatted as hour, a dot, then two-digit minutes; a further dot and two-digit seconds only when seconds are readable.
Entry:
1.38
